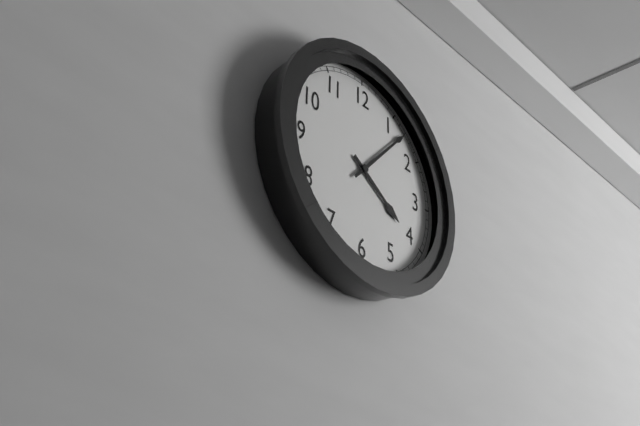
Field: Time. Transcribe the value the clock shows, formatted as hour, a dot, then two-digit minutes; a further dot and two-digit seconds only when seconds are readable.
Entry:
4.07
